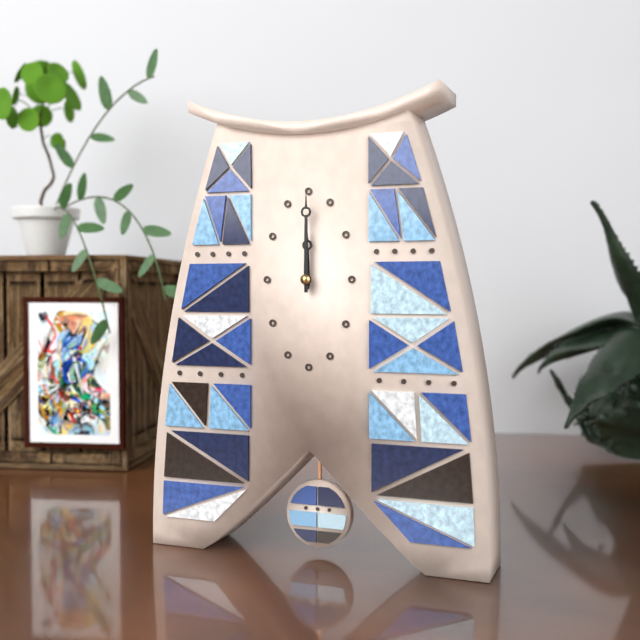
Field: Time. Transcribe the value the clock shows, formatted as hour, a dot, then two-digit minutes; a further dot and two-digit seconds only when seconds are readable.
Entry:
12.00
